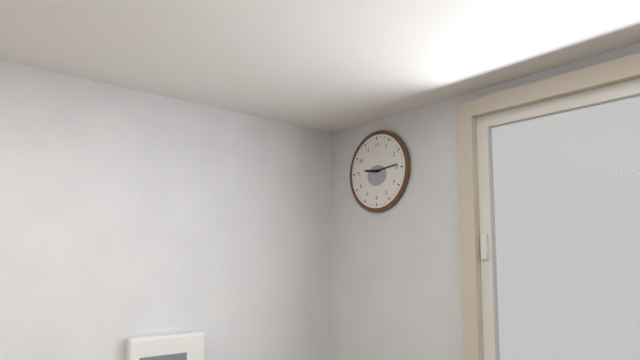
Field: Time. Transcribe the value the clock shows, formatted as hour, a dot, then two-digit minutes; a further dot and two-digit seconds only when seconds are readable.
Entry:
9.14
